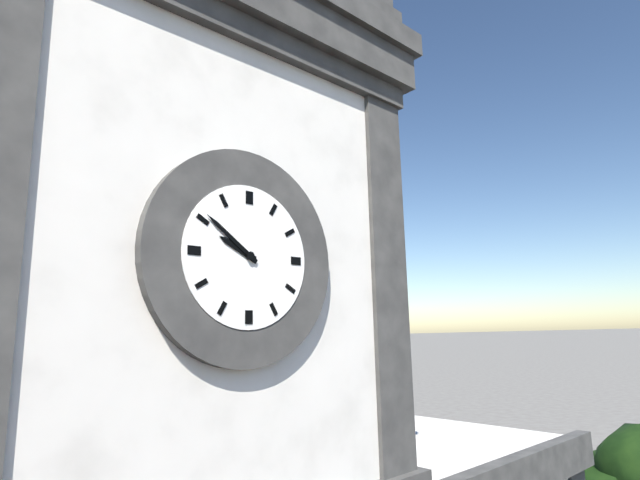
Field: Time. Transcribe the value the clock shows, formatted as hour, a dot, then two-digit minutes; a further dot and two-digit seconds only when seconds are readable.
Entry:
9.51
